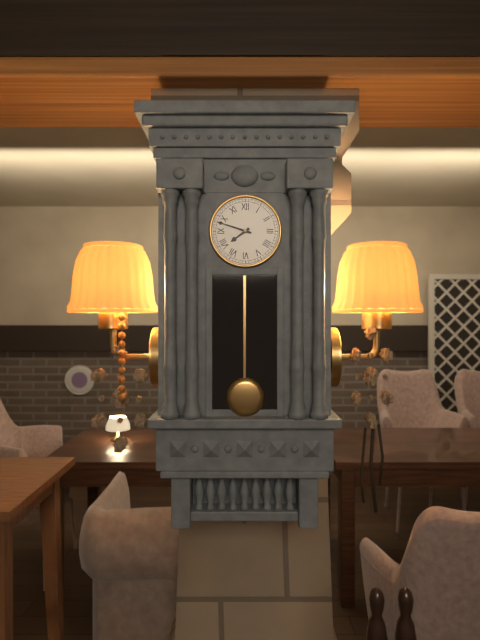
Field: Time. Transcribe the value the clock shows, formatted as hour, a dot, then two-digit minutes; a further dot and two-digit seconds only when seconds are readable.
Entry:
7.48
